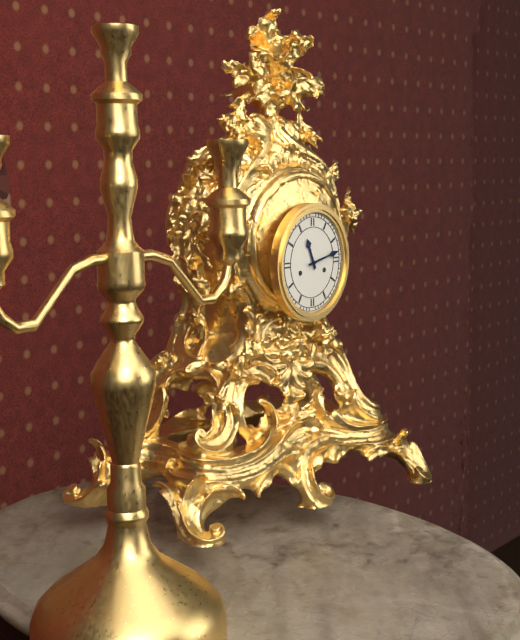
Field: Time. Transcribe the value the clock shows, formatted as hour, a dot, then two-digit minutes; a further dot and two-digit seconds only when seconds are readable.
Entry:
11.13
